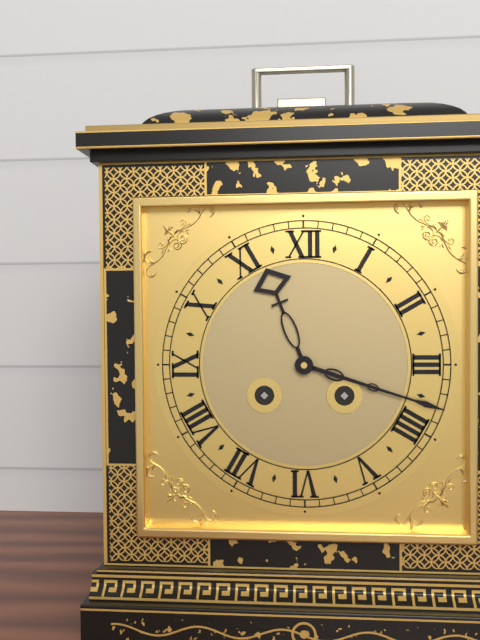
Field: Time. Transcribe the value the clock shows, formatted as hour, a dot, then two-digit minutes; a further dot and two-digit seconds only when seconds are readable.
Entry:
11.18
